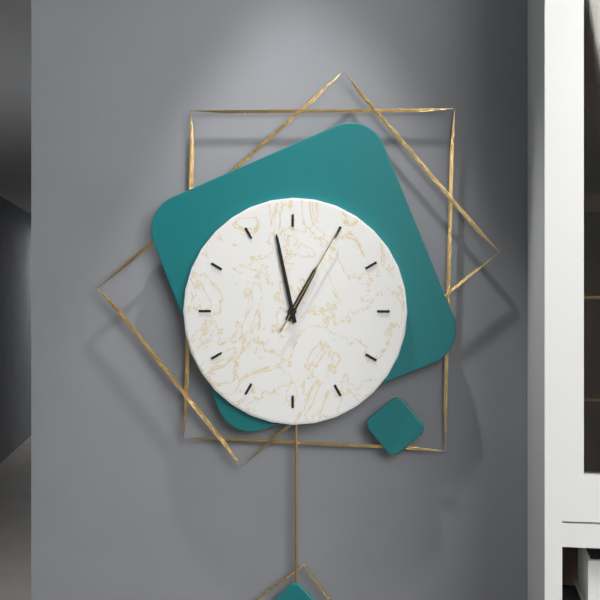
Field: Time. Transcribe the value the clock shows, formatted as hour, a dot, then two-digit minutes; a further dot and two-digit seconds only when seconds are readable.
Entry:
12.58.05
